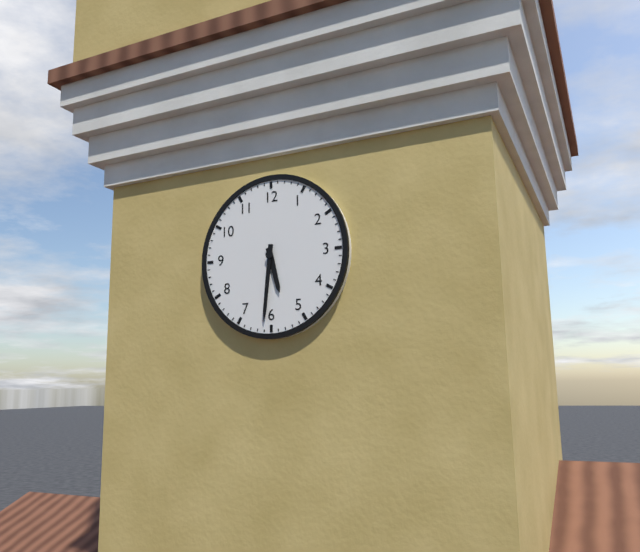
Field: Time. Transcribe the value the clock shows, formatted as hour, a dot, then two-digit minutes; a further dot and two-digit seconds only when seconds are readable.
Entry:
5.31
